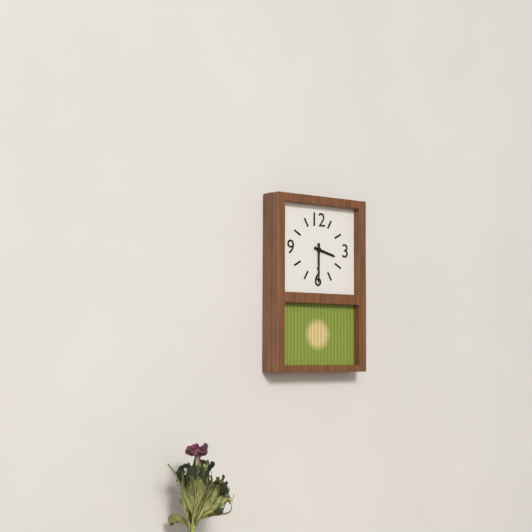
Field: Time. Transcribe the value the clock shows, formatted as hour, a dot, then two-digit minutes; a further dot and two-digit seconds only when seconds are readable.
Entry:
3.30
